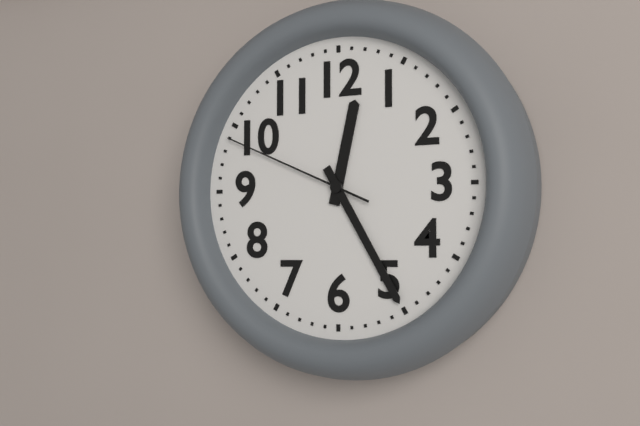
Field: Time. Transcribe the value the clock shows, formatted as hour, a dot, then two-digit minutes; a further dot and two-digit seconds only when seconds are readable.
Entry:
12.25.49
